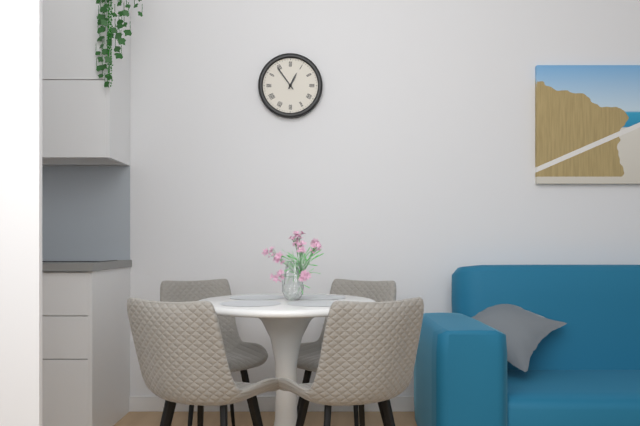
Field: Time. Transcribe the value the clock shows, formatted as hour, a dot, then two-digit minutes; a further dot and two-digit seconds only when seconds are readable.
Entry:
12.54
